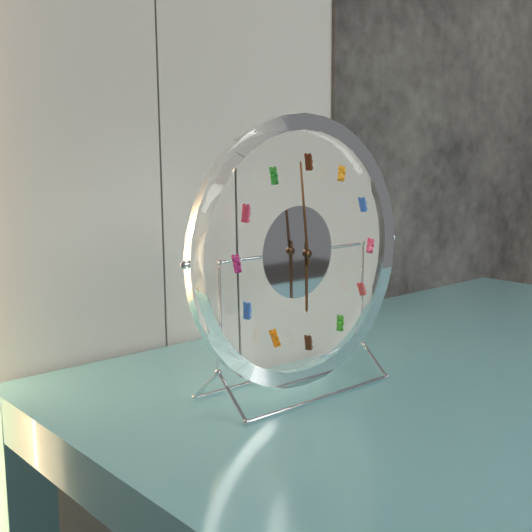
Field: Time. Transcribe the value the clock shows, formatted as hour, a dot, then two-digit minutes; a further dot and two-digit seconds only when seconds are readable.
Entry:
5.59
